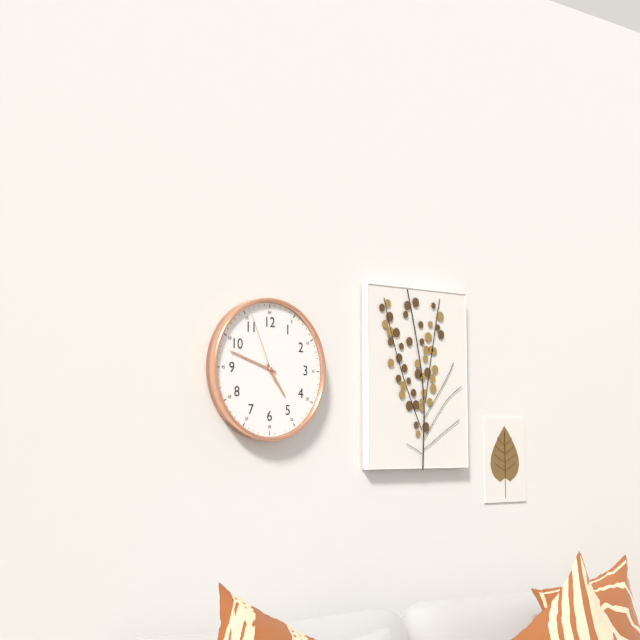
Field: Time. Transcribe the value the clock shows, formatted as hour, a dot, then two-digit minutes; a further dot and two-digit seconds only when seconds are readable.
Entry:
4.48.56
